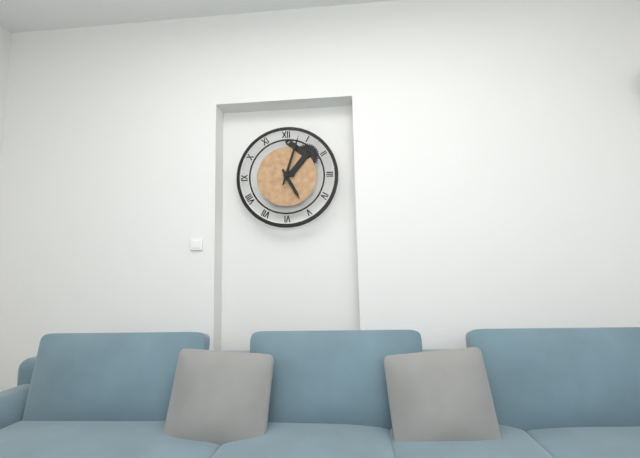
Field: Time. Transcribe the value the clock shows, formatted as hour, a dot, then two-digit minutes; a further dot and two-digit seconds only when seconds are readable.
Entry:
5.03
